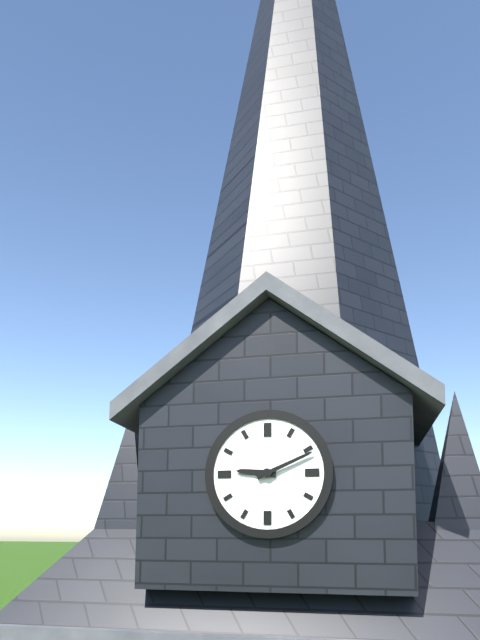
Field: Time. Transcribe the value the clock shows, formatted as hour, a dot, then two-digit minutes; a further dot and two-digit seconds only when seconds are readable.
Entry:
9.11
